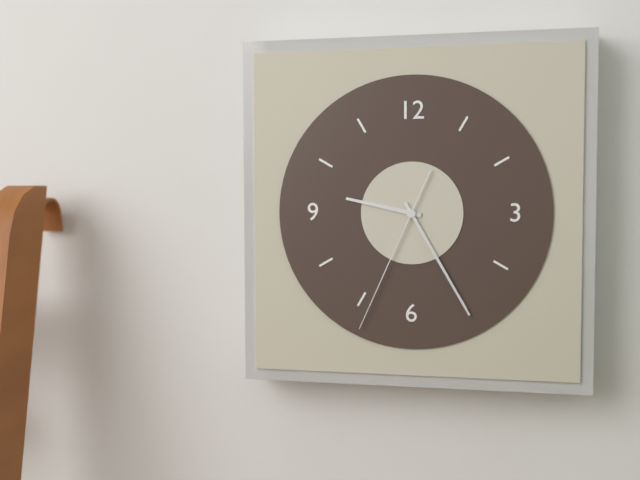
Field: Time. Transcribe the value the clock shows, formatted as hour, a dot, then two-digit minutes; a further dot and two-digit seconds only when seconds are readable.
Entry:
9.25.34
